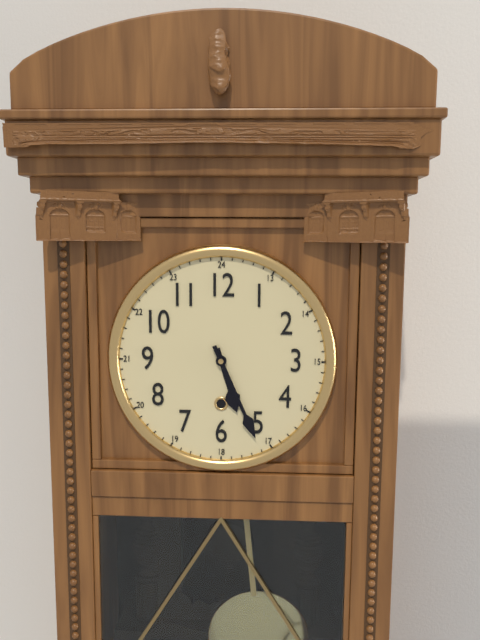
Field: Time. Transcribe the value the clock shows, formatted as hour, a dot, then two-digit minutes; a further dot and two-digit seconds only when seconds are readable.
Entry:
5.26
